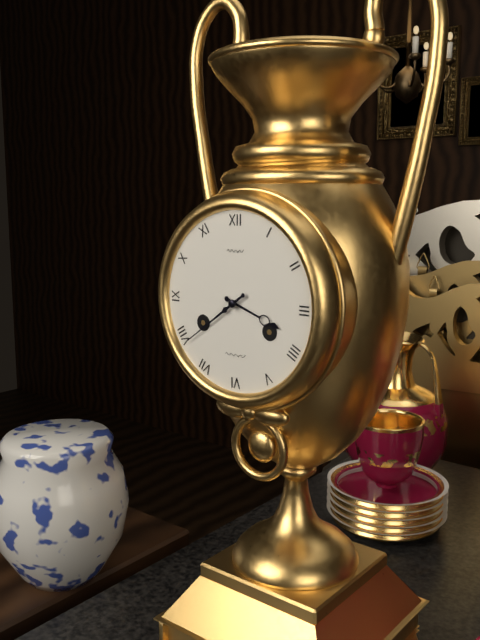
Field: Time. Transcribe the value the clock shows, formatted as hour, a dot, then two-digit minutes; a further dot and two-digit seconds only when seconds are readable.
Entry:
3.39
